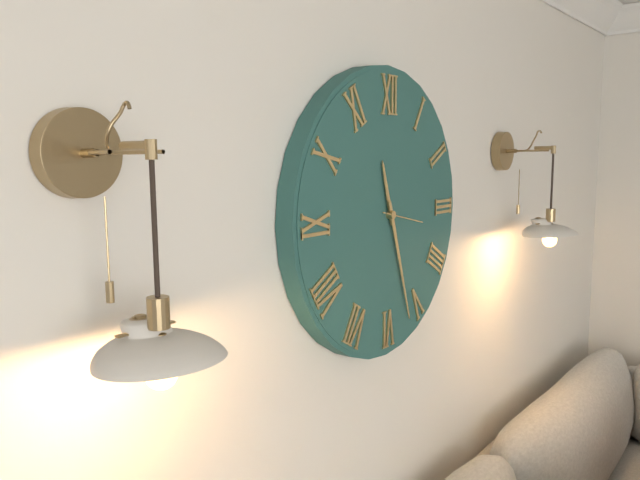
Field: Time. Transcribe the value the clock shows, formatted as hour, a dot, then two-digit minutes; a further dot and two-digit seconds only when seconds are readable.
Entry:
11.27.17
